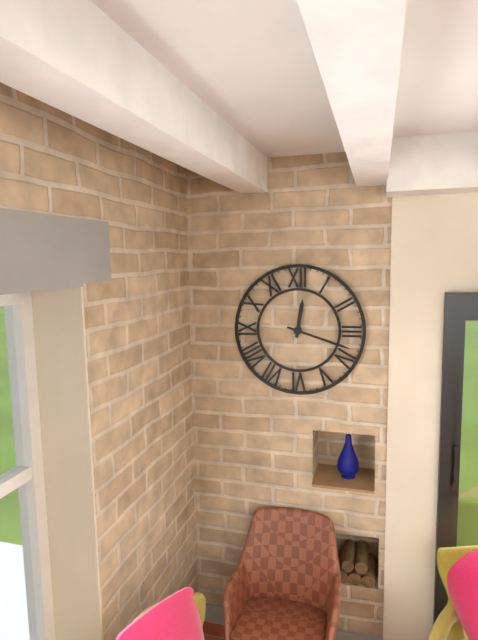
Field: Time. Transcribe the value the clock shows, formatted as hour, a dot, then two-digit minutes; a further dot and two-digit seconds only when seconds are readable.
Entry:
12.18
